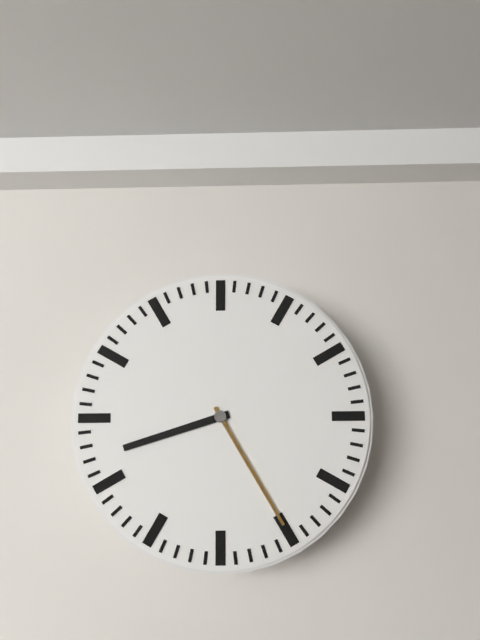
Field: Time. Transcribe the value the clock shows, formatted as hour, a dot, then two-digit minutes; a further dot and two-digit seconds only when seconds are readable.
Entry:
8.25
